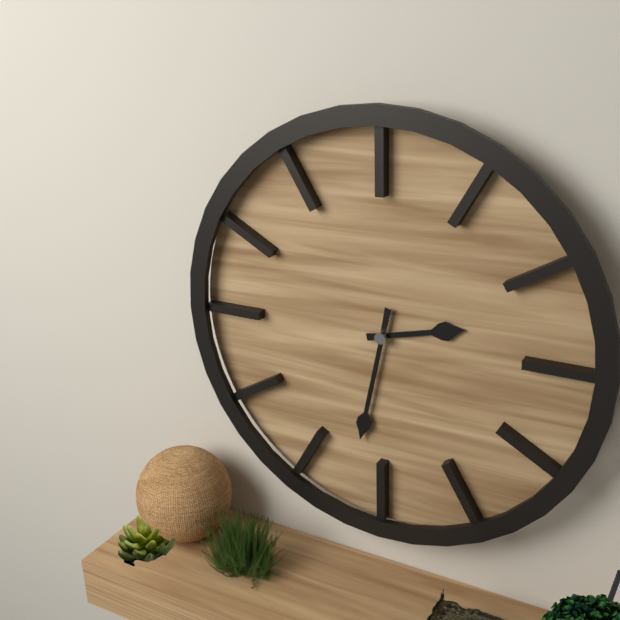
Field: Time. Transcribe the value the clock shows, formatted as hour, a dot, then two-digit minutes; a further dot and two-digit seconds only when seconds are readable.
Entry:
2.32
